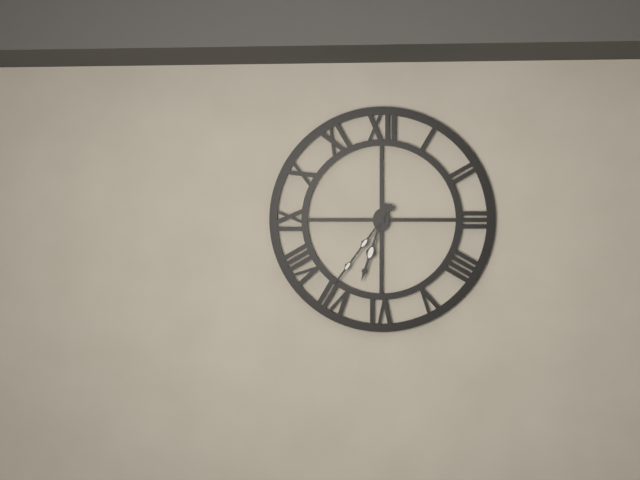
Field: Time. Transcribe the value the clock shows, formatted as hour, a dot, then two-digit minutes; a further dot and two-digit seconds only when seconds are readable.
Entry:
6.36
